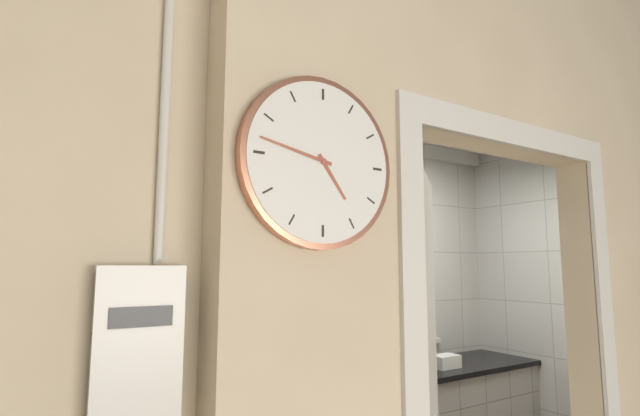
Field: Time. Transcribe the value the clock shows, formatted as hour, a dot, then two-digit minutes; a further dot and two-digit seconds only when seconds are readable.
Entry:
4.47
